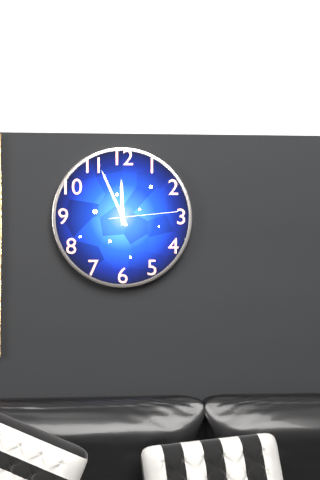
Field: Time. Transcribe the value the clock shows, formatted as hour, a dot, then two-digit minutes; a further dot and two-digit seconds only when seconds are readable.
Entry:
11.56.14
